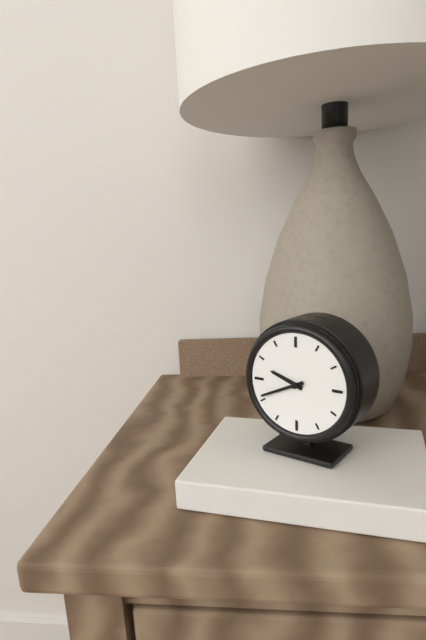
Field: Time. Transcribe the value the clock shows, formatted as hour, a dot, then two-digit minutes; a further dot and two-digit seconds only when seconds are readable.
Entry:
9.41
